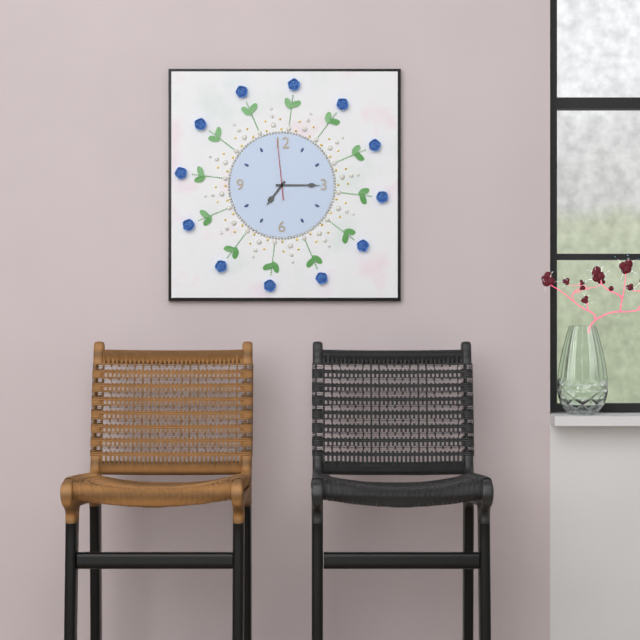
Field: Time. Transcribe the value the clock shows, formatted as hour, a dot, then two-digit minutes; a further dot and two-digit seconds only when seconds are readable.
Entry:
7.15.59
